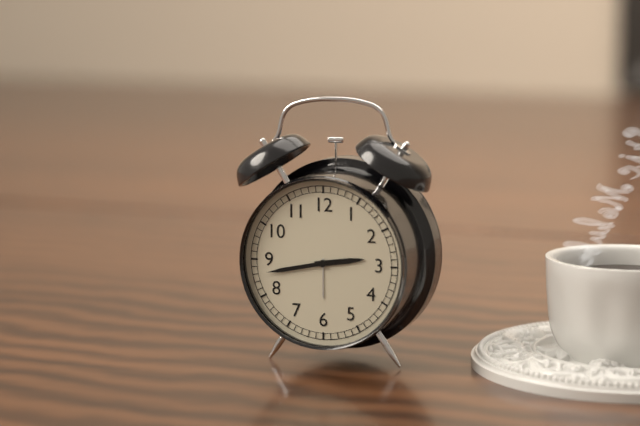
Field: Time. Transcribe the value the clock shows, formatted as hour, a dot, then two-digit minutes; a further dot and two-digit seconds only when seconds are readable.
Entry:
2.43
